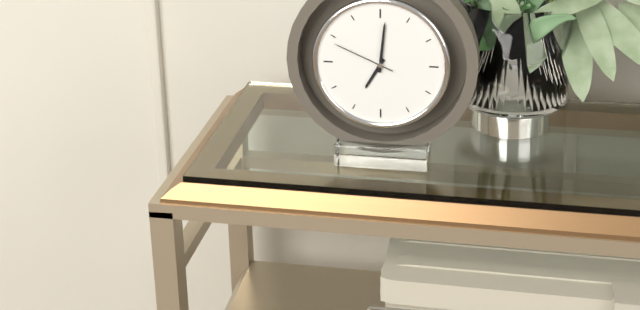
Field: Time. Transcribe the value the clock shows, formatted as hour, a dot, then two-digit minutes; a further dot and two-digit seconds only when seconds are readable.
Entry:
7.01.49
